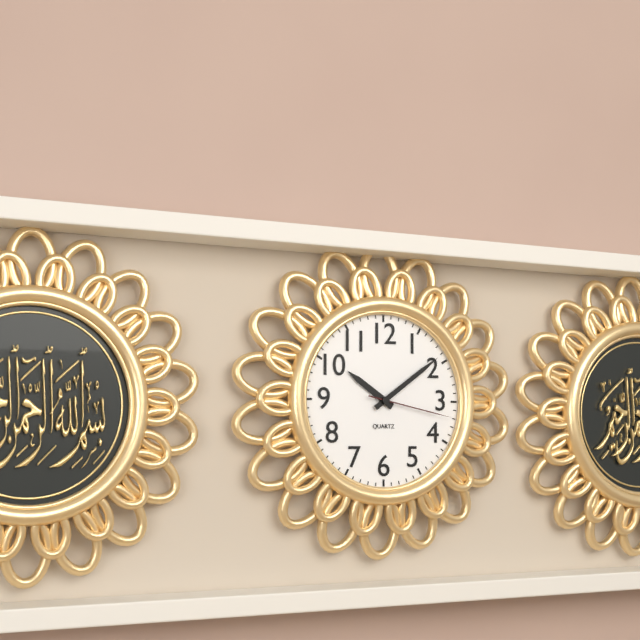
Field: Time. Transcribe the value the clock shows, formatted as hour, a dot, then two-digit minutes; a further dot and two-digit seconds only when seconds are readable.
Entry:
10.09.17
